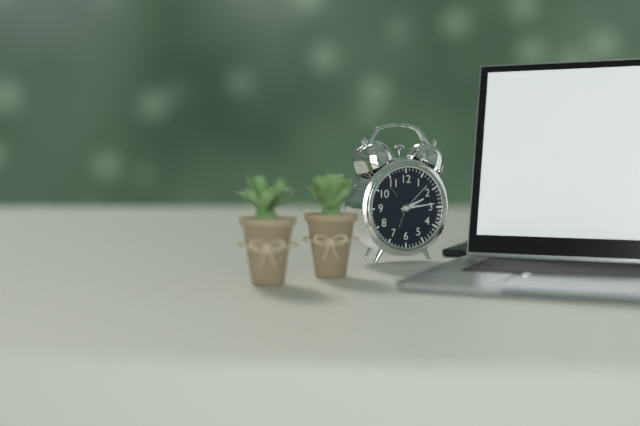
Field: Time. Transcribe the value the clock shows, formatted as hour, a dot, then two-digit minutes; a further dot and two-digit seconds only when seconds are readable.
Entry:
2.14
